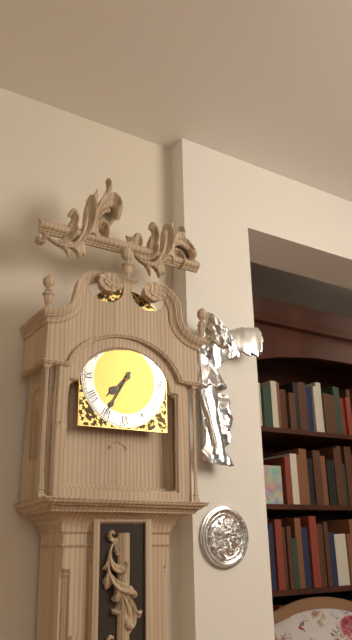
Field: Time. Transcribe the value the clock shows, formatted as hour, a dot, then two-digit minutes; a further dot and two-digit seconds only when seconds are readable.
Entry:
7.35
